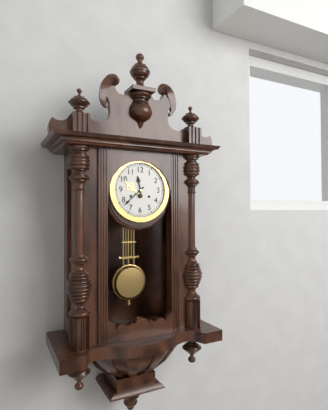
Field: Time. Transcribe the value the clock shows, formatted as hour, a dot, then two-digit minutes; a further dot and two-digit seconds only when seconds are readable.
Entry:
11.38
